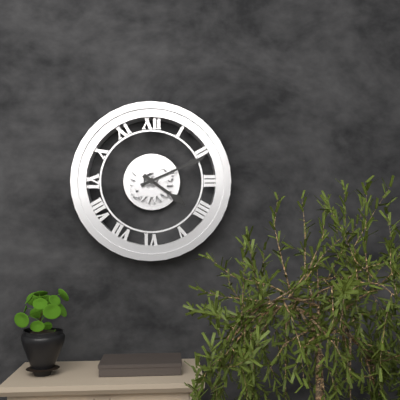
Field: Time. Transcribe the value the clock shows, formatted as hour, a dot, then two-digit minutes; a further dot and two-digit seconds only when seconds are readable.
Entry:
4.11
